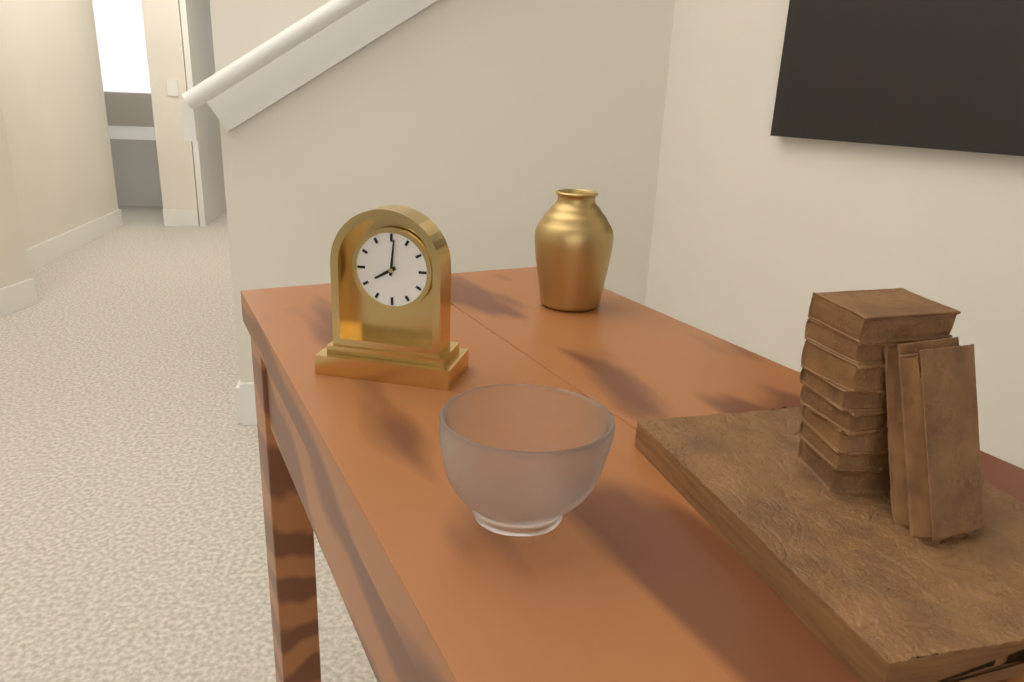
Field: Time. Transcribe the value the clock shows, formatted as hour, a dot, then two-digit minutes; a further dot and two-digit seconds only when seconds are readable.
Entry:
8.01
